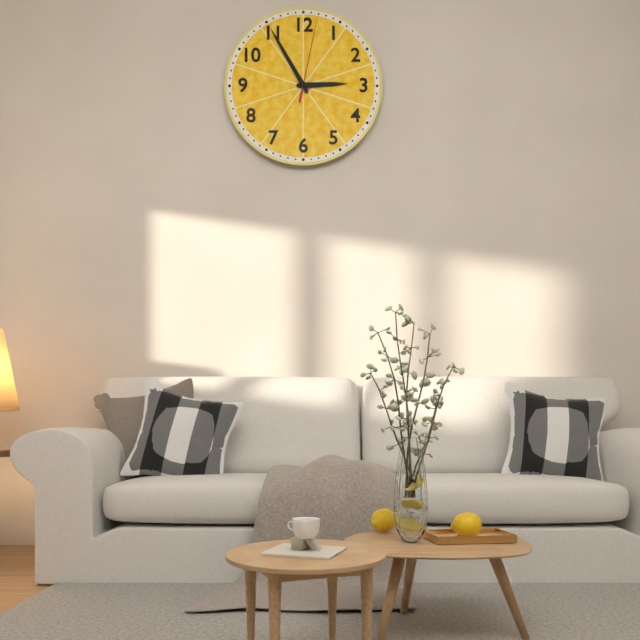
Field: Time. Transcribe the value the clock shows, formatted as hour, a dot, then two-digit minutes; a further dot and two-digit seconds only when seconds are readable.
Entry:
2.55.02
